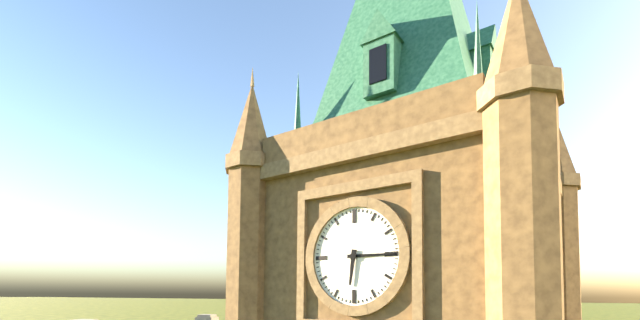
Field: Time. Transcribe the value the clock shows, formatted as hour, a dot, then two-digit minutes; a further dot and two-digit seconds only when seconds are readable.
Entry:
6.15
